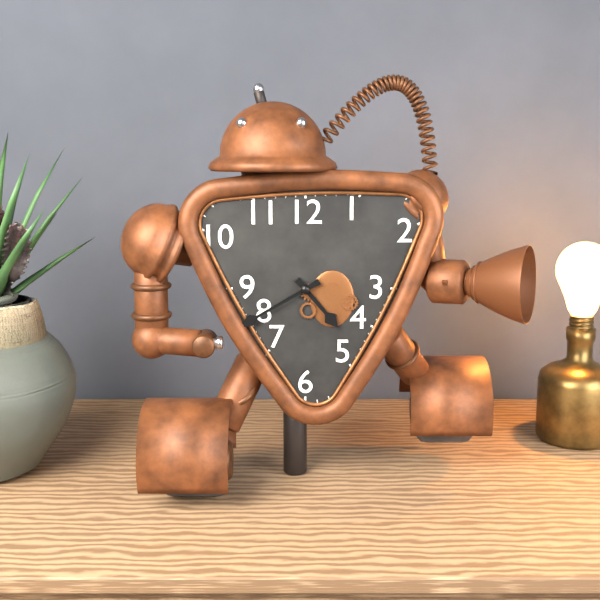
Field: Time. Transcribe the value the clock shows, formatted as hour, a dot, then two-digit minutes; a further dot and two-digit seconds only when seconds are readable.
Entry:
4.40
